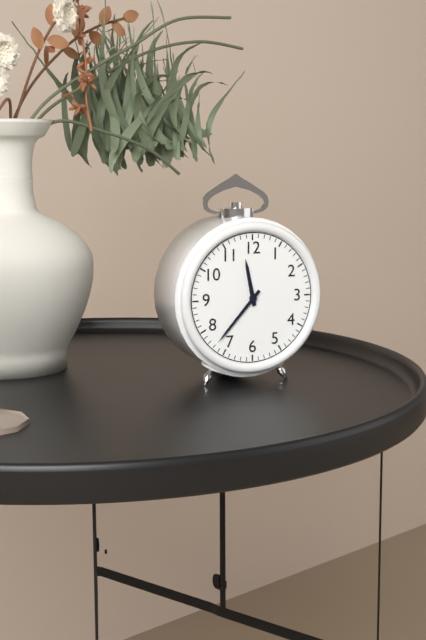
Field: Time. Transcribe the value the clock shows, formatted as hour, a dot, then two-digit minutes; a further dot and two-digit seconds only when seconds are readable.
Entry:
11.37
